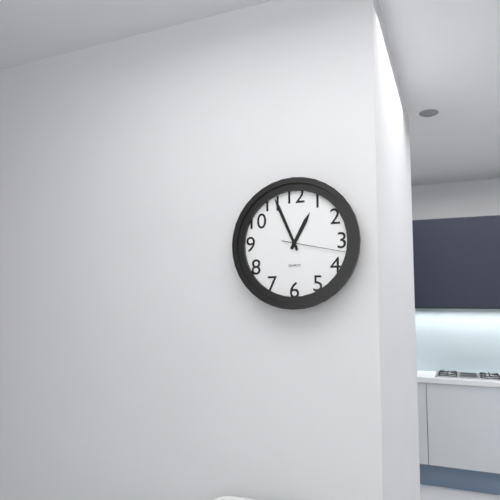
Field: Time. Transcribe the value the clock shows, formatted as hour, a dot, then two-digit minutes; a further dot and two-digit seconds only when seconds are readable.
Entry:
12.56.17
